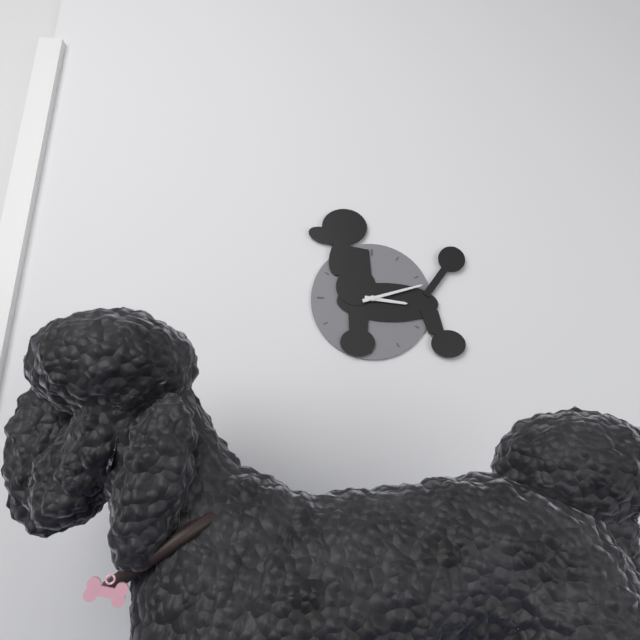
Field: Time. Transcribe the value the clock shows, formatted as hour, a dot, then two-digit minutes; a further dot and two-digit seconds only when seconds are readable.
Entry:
3.12
